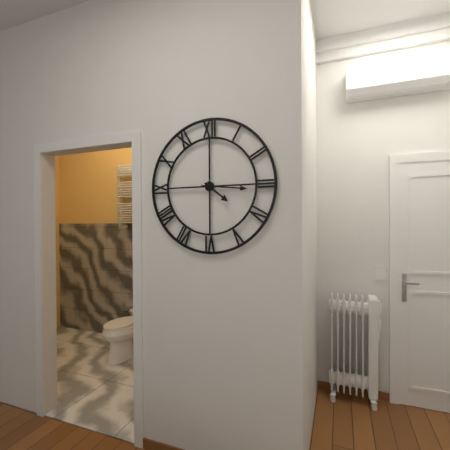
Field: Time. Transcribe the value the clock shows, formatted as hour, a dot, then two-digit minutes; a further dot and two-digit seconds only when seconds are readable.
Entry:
4.16
